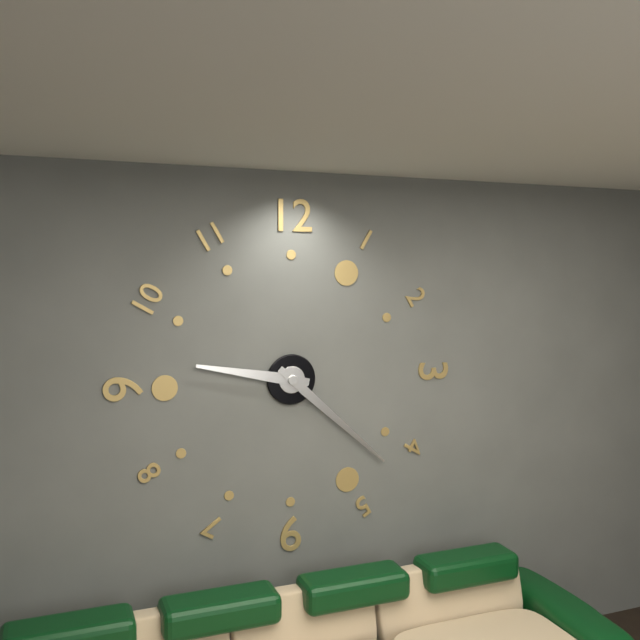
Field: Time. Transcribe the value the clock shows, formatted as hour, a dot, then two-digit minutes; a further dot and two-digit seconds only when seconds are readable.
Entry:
9.22
